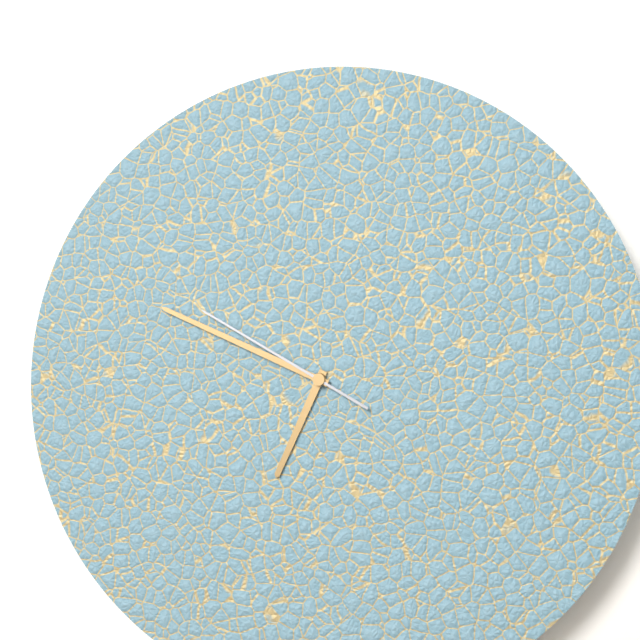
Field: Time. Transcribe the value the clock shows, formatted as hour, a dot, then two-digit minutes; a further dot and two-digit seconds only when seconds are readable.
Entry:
6.49.50
